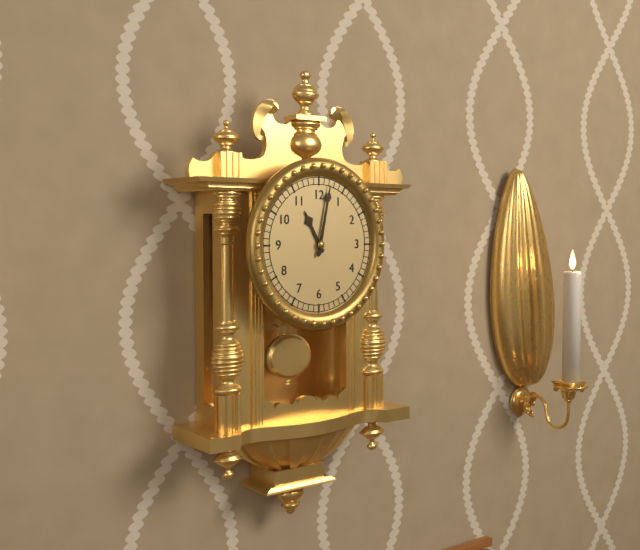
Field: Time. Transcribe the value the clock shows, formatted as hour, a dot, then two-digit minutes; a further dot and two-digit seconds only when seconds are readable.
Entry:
11.02
